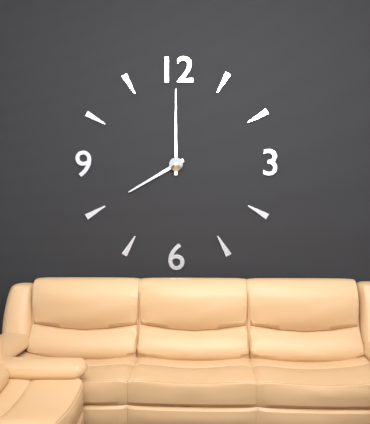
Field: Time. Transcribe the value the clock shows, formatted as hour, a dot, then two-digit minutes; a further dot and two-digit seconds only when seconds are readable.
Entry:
8.00
